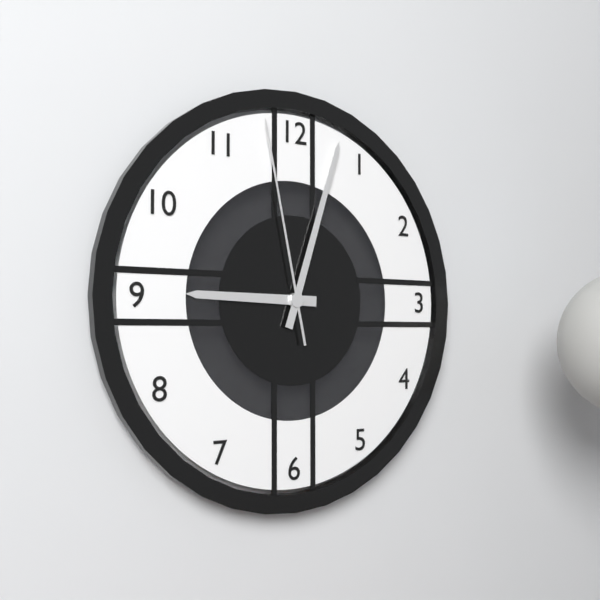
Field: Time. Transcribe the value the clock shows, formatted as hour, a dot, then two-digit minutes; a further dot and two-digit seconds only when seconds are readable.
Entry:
9.03.58
